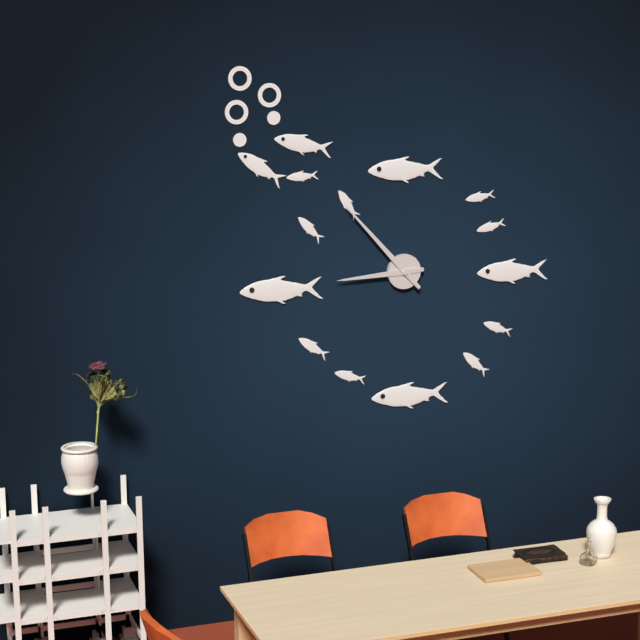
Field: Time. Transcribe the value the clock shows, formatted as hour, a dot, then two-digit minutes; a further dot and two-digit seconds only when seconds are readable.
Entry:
8.53
